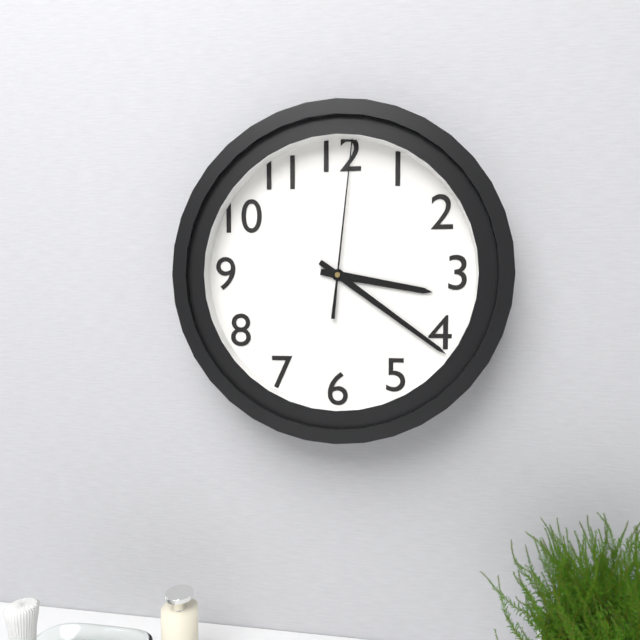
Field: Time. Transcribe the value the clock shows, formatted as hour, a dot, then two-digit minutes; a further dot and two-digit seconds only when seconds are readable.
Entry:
3.21.01
